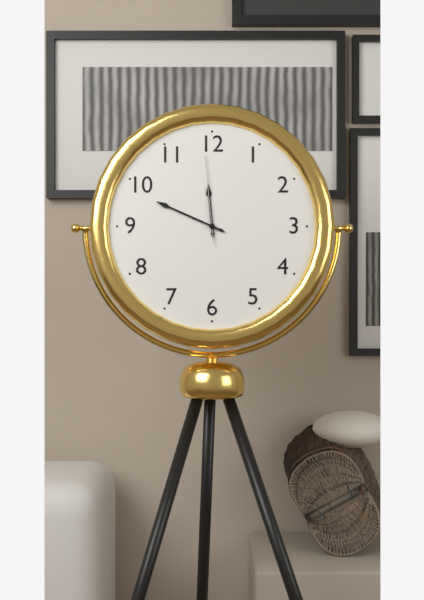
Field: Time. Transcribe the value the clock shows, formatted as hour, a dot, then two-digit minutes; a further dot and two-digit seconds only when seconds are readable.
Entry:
11.49.59
